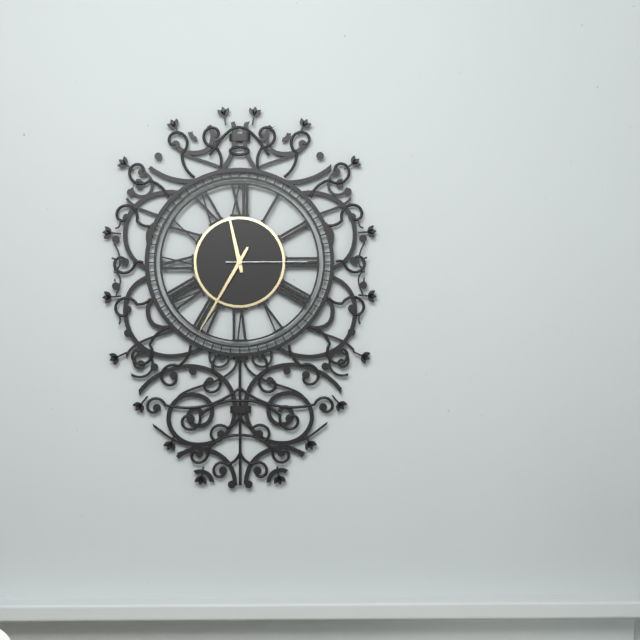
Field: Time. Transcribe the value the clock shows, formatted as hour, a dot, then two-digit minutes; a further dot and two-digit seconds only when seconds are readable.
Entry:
11.35.15
